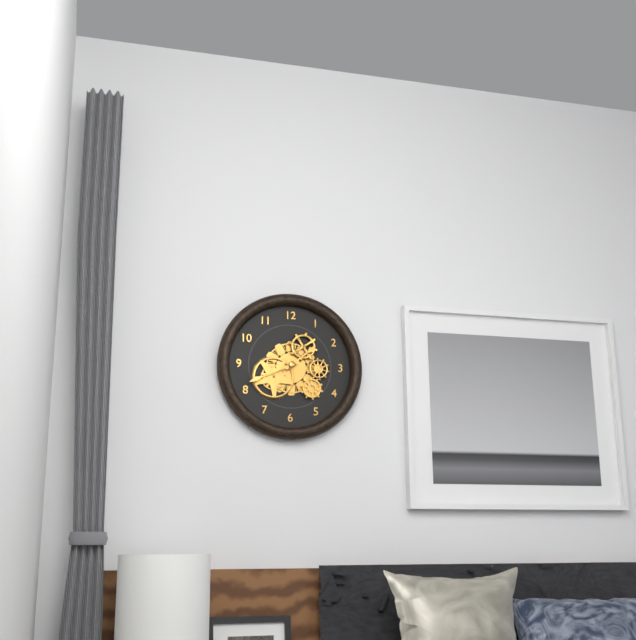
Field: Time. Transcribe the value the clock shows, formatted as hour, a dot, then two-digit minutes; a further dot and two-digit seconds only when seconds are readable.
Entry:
1.41
